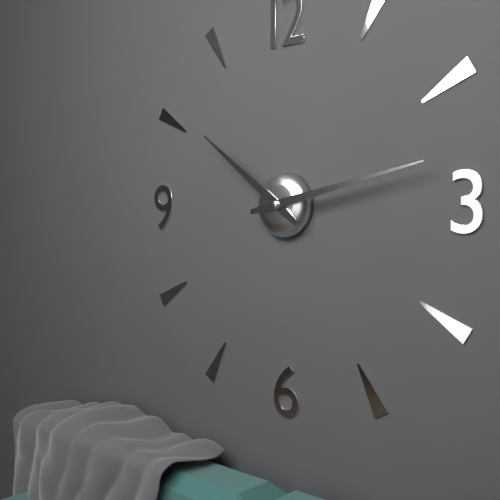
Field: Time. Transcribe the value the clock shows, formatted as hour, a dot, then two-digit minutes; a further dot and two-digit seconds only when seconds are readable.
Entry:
10.13
